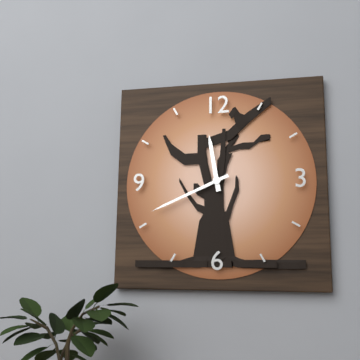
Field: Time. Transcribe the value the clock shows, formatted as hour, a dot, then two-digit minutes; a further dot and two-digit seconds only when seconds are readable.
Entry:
11.41
